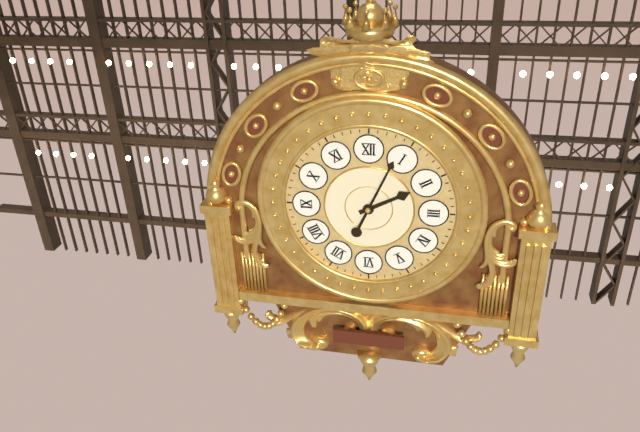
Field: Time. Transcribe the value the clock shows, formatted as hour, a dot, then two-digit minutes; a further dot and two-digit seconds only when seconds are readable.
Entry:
2.04
